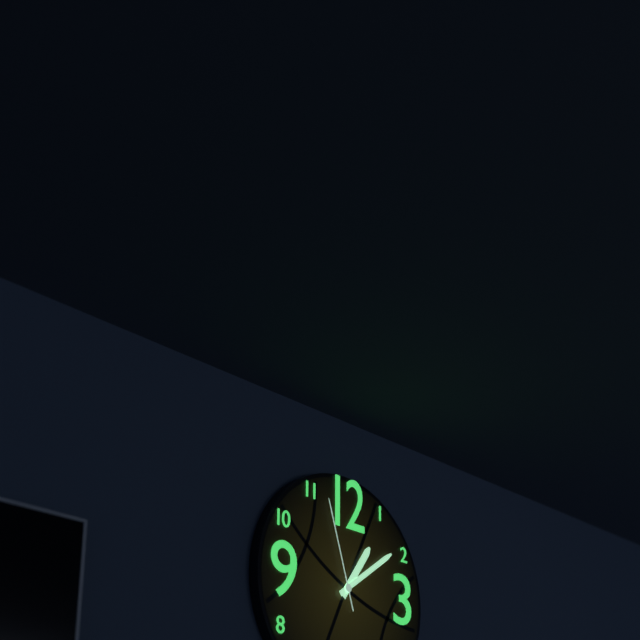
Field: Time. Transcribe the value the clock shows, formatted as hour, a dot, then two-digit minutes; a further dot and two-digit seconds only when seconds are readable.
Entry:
1.09.57
